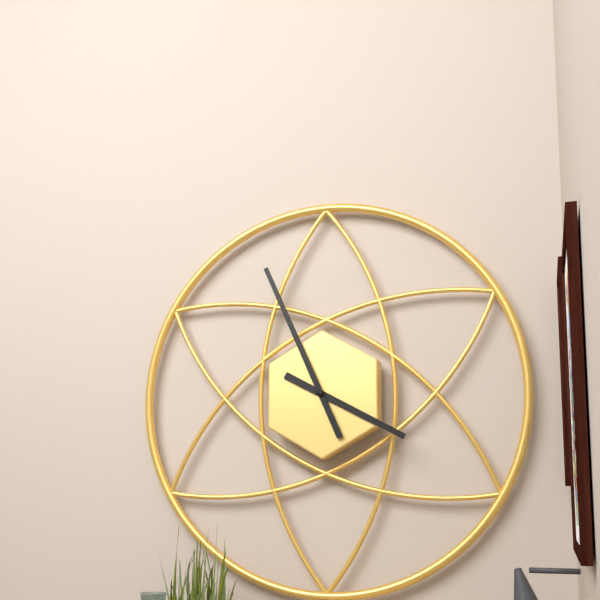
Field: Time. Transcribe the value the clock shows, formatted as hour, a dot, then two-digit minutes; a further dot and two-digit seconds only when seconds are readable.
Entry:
3.56
